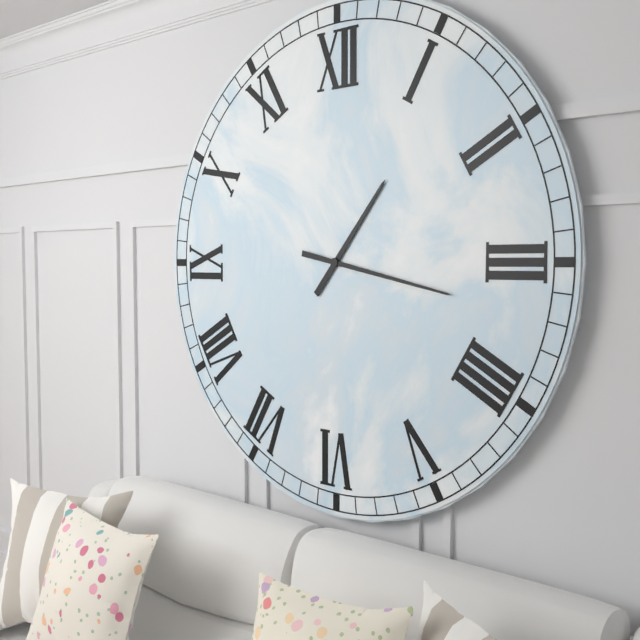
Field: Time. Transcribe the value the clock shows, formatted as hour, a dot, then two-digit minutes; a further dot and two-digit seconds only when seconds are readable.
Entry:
1.17
